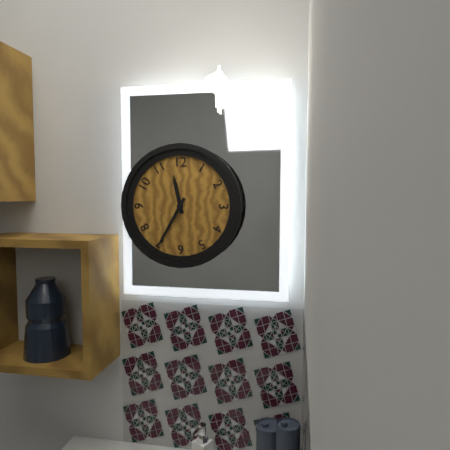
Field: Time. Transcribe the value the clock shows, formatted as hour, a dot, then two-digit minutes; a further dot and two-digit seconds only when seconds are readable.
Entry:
11.35
